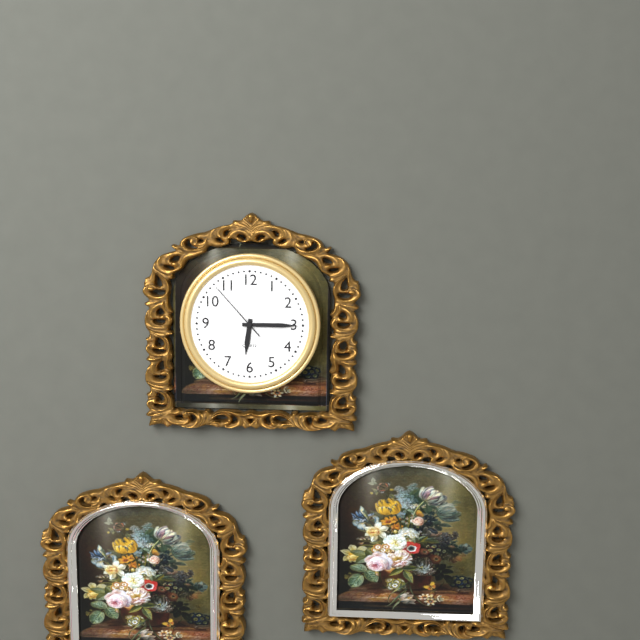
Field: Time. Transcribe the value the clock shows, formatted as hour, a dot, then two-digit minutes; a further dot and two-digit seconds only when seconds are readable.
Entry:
6.15.53
